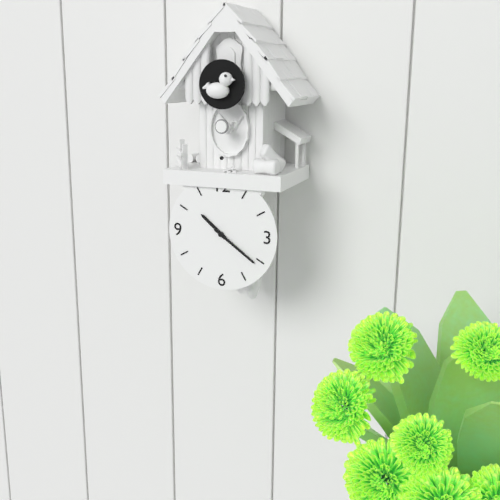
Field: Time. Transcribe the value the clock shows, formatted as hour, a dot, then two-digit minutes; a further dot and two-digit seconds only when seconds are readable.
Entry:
10.21
